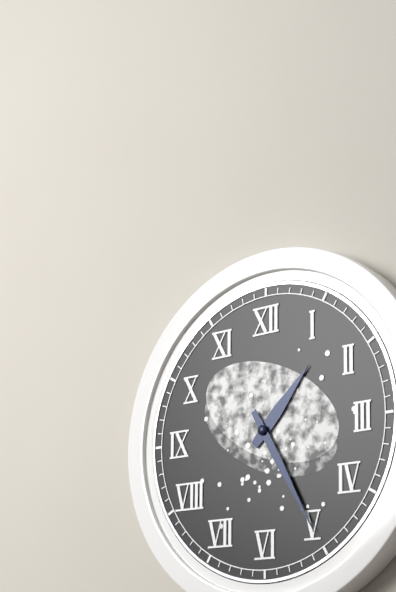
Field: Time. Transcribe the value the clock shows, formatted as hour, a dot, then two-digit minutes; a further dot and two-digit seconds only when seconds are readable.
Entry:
1.25
